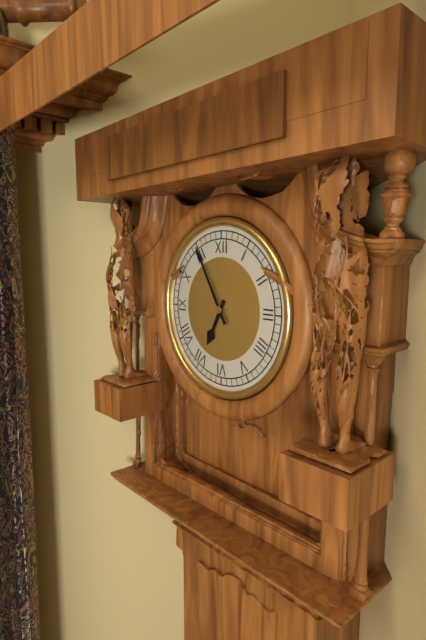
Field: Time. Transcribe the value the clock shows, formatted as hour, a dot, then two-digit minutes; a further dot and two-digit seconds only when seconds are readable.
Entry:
6.55
